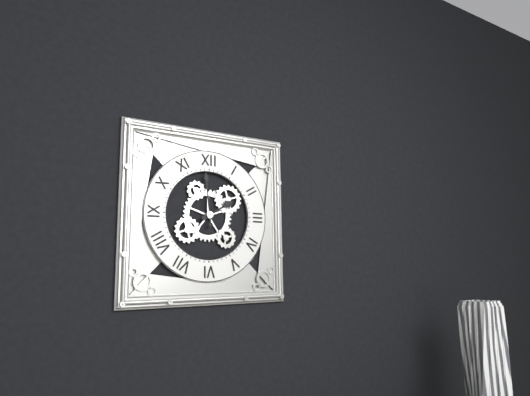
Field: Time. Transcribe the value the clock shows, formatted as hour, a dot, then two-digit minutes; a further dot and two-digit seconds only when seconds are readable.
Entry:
1.59
